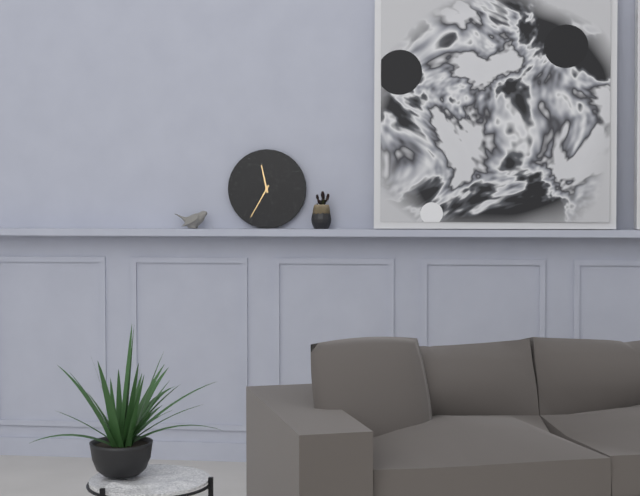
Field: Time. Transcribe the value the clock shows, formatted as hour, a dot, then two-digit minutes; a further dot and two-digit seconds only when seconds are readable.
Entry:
11.35
